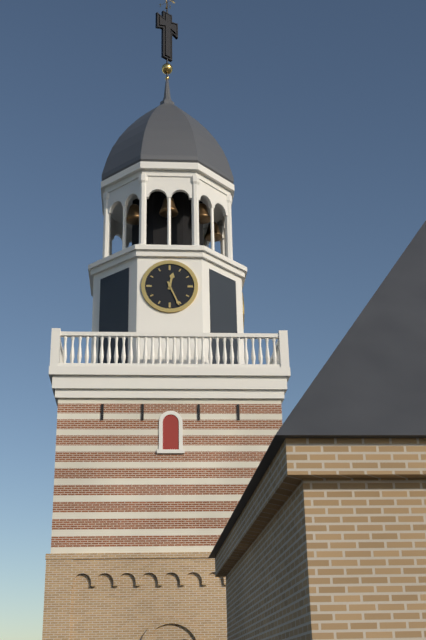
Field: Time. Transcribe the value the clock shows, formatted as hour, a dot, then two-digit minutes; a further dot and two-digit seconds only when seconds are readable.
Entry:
12.26
